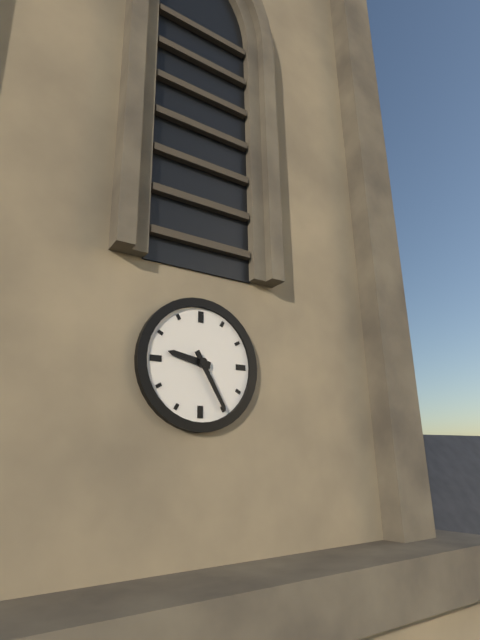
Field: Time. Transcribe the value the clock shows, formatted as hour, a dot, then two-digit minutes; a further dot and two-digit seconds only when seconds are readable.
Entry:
9.25
